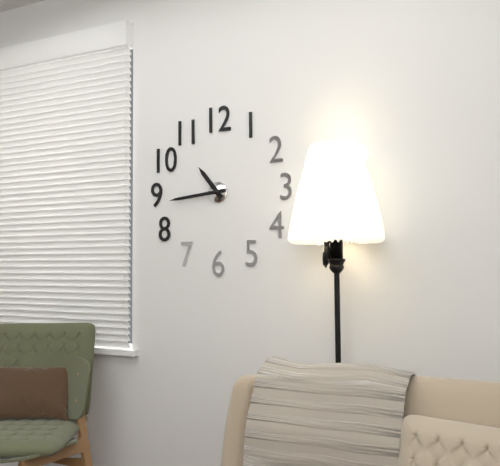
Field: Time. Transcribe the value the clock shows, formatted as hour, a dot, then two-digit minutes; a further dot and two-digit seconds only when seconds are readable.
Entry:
10.44
